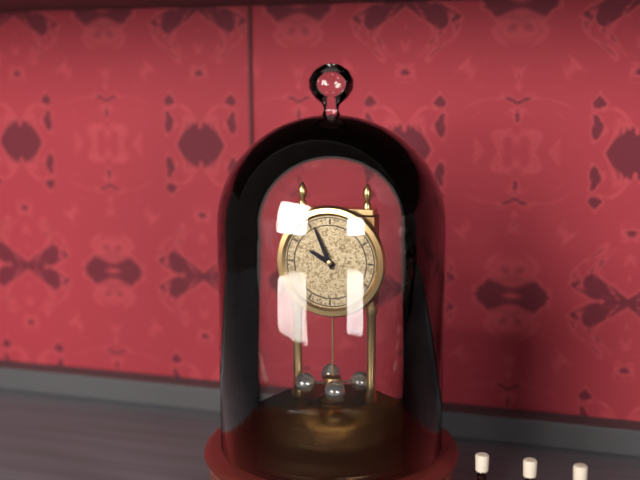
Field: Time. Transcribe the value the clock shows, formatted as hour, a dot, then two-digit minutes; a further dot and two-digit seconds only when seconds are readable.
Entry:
9.56
